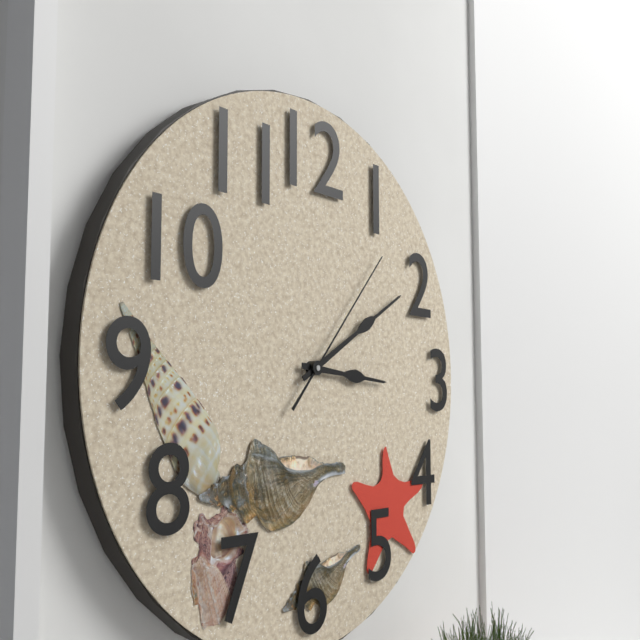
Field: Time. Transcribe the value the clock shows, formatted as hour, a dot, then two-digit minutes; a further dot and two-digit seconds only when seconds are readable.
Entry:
3.10.07
